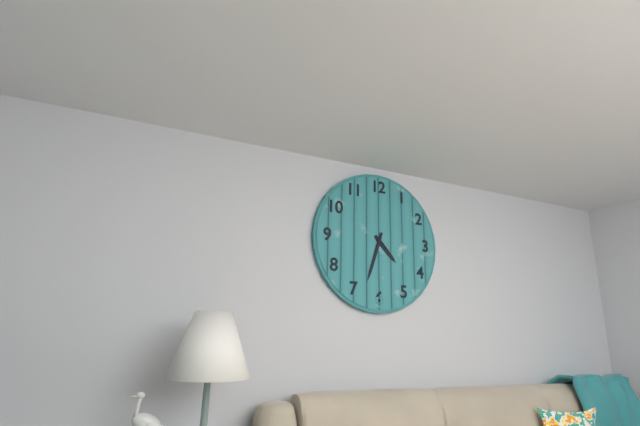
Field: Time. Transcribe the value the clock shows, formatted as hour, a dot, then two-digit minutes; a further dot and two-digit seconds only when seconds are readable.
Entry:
4.33
